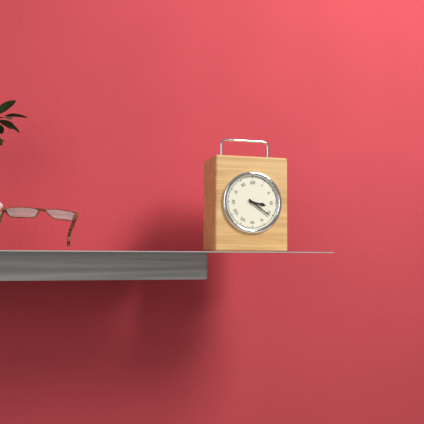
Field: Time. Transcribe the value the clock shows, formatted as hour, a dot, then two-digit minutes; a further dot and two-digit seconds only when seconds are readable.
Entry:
3.21
